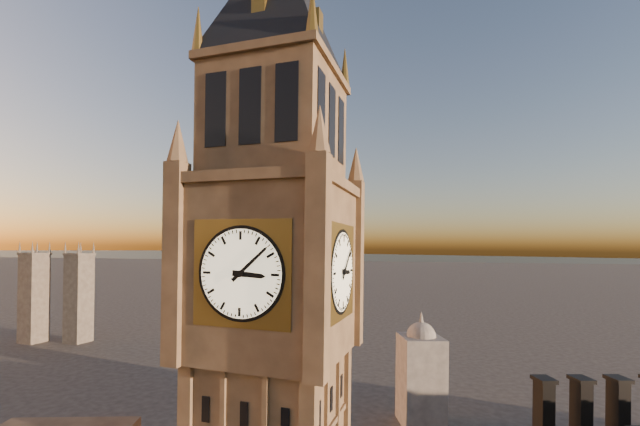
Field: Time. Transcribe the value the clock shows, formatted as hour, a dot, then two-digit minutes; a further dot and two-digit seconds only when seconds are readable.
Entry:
3.08
